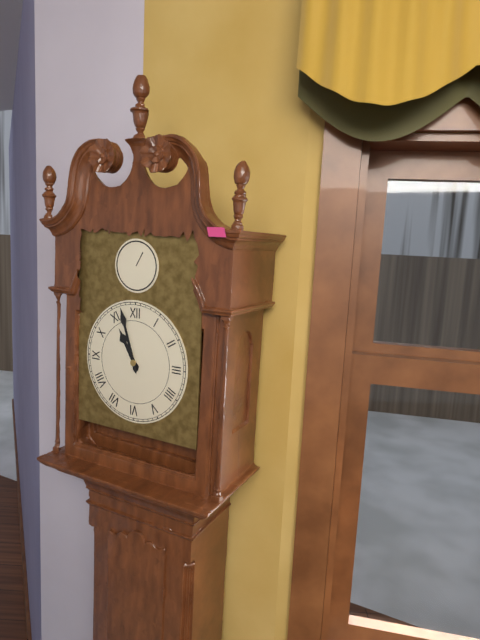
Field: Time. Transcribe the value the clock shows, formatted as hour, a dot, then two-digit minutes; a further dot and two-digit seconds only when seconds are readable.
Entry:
10.57
